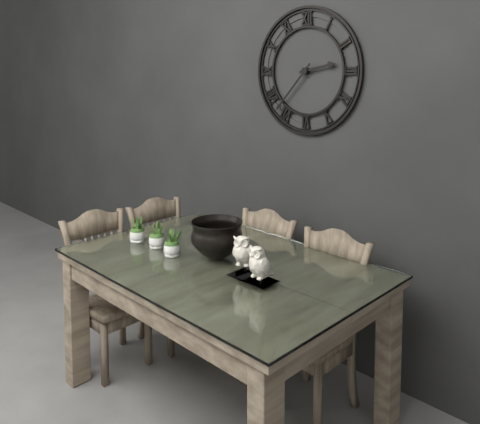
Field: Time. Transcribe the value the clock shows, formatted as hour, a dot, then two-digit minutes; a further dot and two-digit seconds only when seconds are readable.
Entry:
2.37
